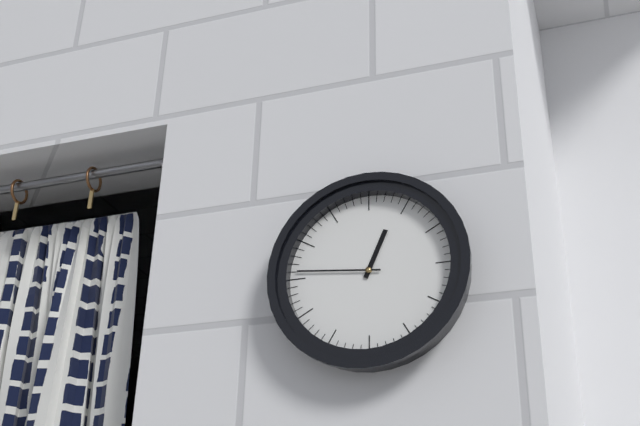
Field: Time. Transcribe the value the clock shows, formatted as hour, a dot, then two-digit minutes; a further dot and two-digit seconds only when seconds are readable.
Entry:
12.46
